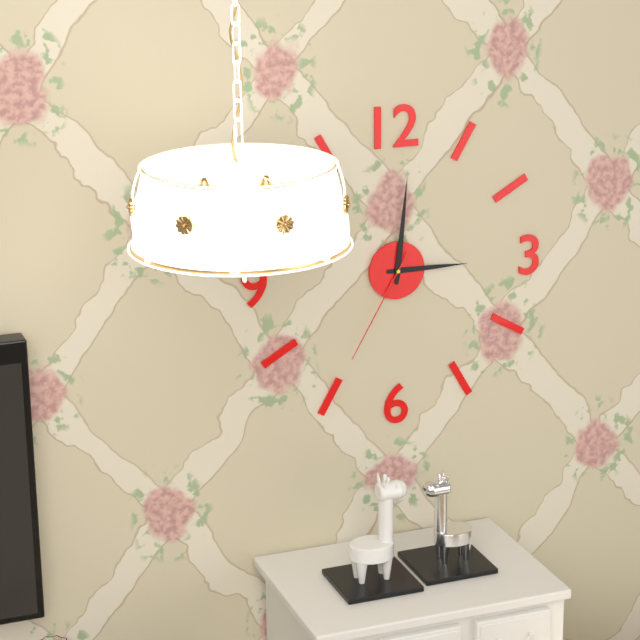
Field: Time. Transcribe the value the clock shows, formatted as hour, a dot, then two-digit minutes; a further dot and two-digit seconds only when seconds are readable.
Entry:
3.01.35
